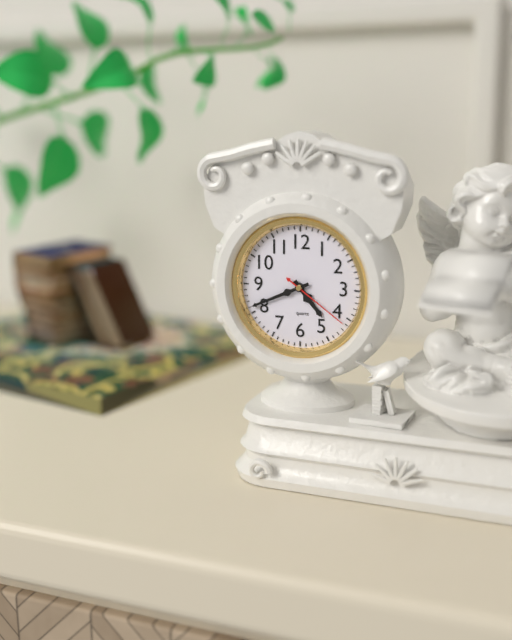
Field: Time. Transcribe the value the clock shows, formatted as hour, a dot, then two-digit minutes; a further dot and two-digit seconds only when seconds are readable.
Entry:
4.41.21
